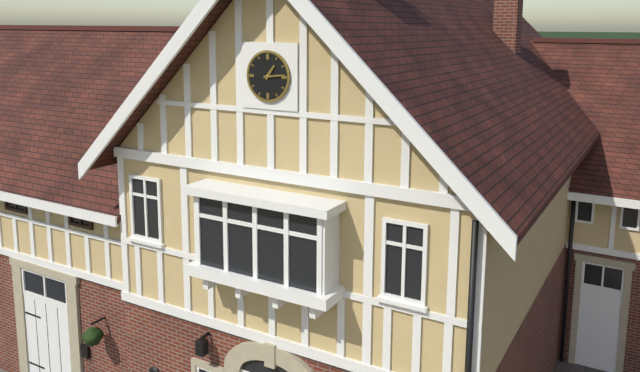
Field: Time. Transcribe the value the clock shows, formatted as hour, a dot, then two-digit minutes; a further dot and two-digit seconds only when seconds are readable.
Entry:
1.14
